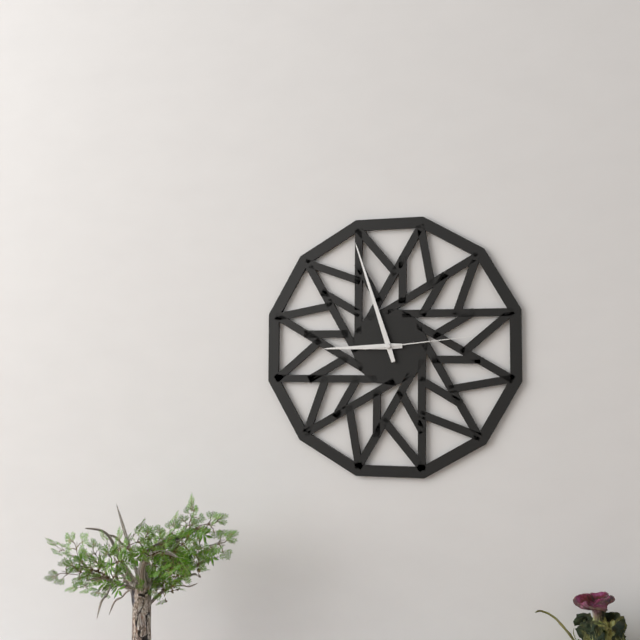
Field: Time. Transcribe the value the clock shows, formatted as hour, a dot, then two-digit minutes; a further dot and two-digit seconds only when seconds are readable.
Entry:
8.57.14
